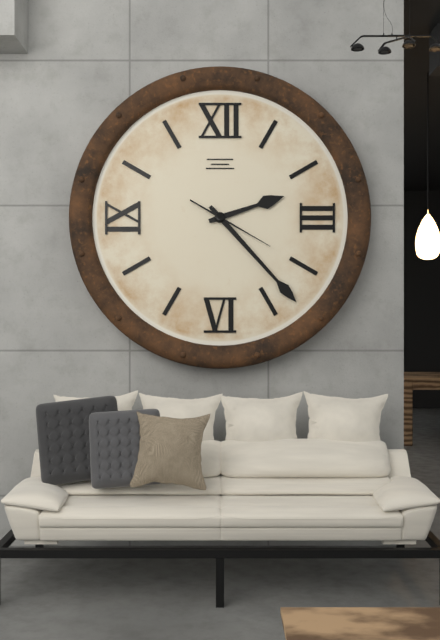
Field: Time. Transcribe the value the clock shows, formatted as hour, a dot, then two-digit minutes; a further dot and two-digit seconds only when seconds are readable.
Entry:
2.23.20
